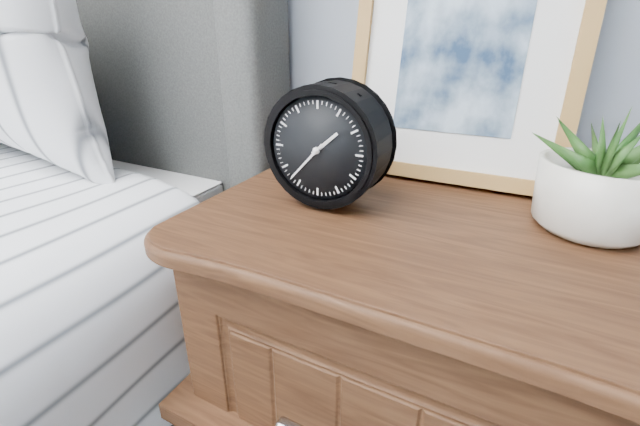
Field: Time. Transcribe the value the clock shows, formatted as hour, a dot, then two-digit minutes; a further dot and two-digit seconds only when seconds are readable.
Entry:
1.37
